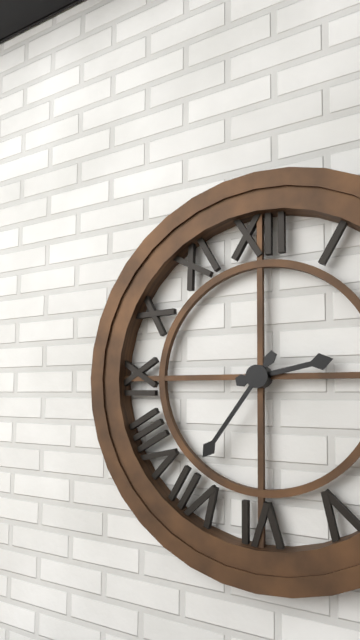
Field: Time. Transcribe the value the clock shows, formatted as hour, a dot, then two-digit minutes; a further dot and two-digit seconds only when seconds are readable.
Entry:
2.36
